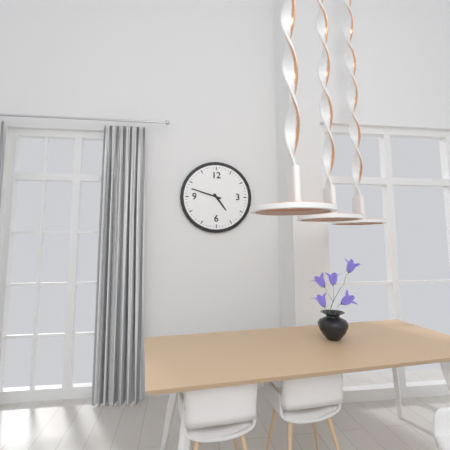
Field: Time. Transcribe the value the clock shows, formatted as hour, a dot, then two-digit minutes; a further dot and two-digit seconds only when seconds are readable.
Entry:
4.48
